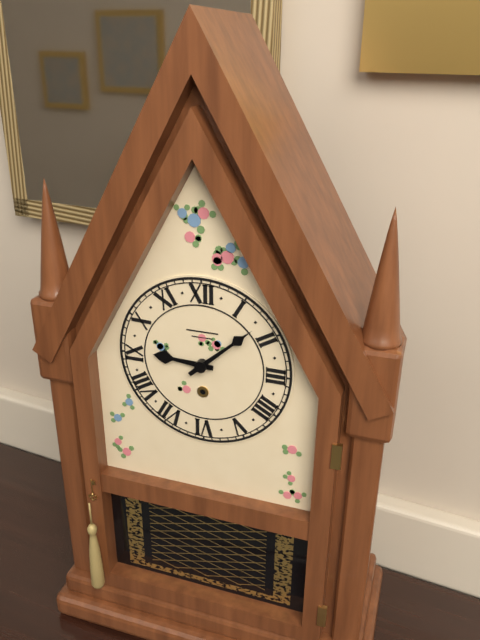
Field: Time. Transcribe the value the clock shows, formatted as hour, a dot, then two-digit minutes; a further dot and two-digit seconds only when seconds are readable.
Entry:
9.08
